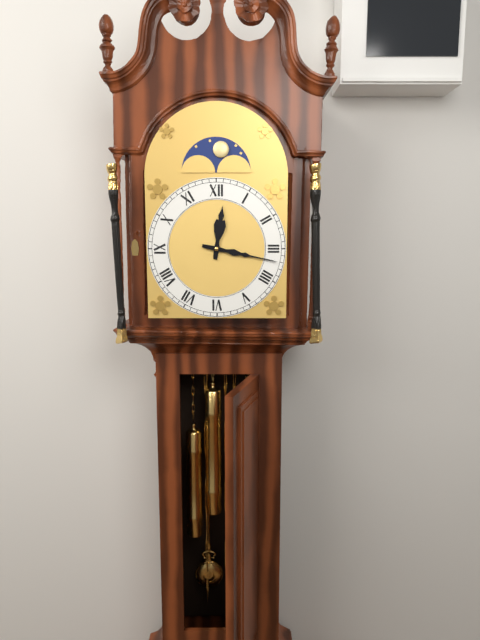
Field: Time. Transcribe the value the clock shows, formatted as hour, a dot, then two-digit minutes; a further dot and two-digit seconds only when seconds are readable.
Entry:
12.17
